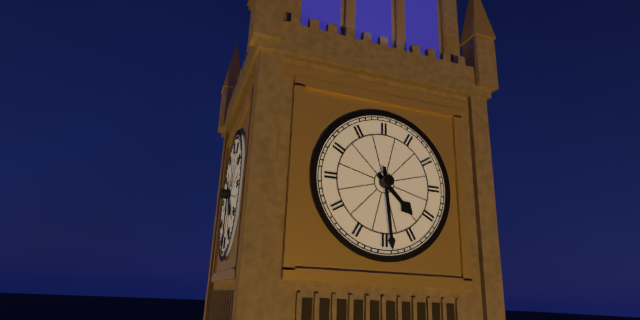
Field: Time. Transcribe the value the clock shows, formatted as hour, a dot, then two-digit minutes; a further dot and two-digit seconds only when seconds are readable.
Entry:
4.29
